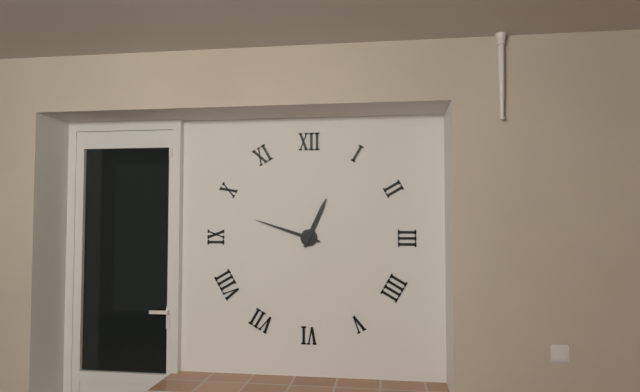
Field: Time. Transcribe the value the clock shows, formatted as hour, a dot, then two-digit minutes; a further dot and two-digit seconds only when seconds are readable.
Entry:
12.48
